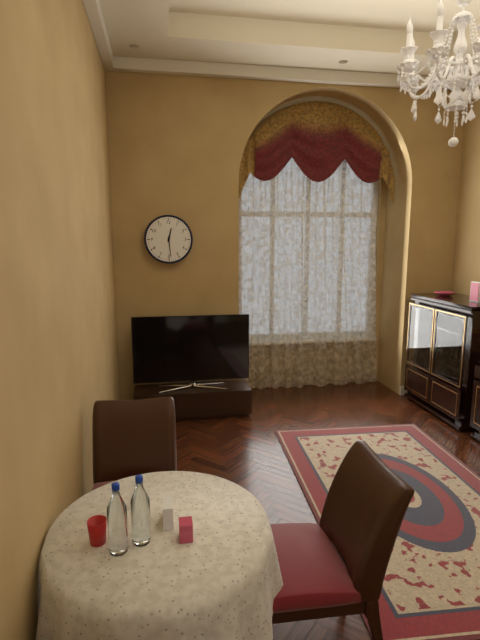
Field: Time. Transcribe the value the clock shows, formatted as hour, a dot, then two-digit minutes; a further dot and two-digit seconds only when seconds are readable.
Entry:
12.29
